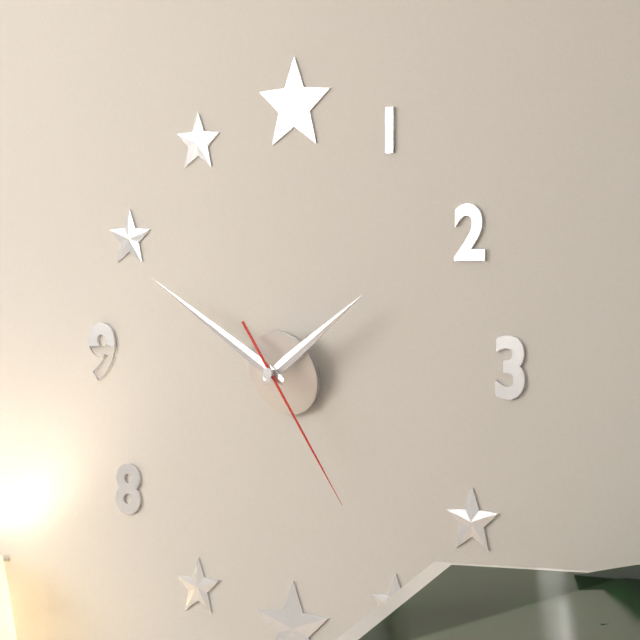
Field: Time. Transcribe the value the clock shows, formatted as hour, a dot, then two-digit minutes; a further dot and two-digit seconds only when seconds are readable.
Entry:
1.50.24
